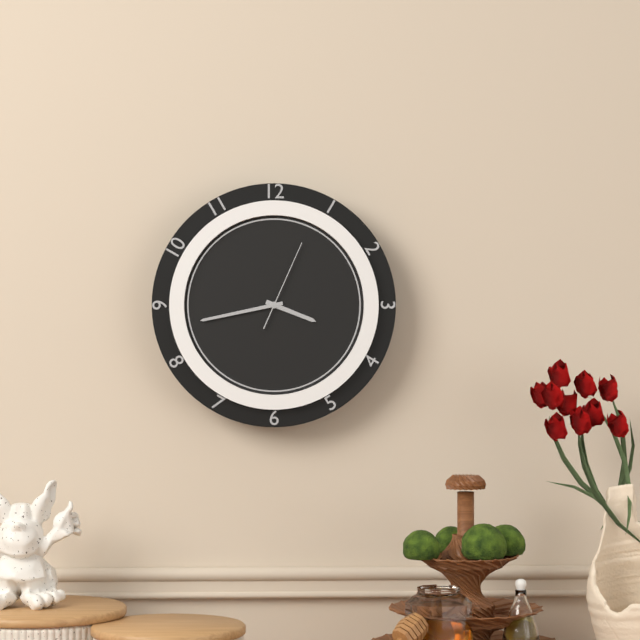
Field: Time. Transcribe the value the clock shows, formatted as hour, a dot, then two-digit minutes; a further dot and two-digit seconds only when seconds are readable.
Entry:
3.43.04
